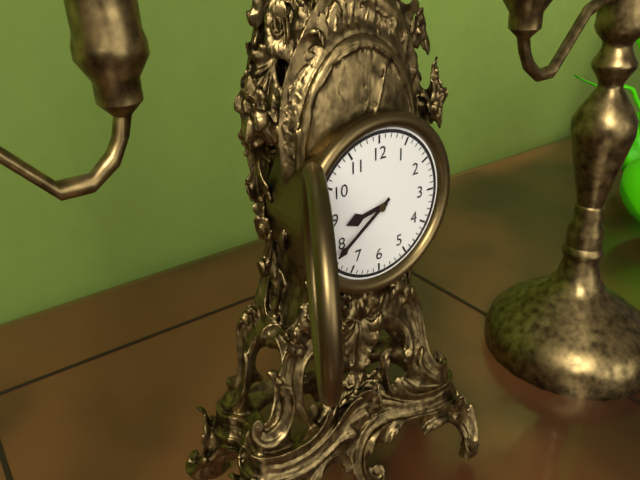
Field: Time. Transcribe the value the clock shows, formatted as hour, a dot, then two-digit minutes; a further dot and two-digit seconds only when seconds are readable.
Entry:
8.39
